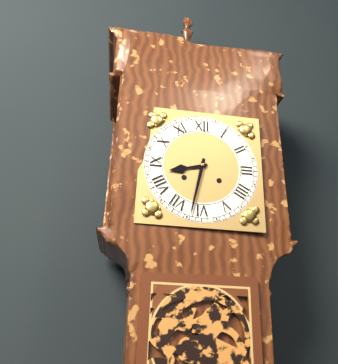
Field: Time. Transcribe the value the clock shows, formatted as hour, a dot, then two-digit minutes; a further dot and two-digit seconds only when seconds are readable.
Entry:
8.32
